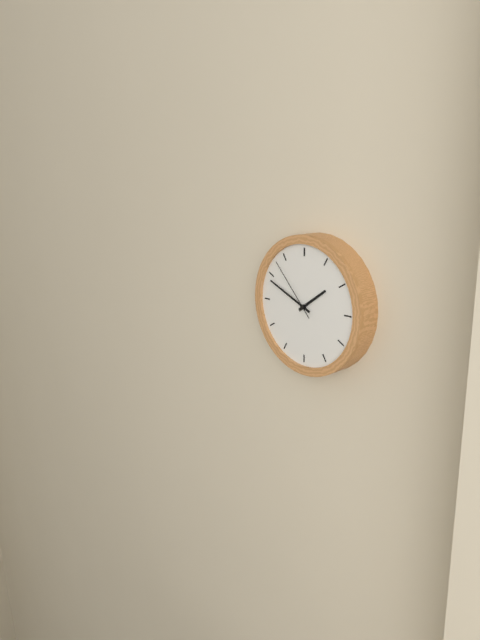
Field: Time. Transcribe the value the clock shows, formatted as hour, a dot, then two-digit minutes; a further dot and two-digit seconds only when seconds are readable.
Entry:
1.49.53
